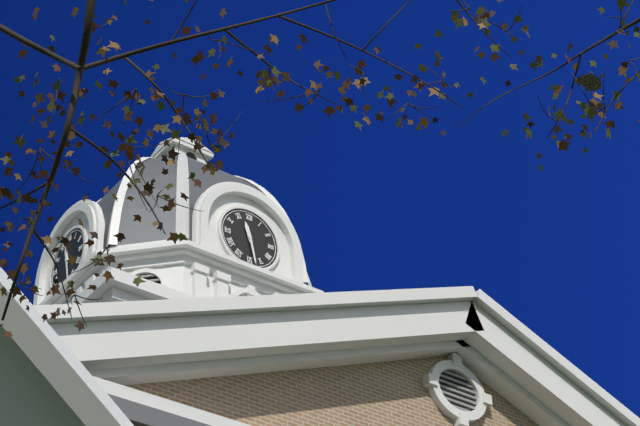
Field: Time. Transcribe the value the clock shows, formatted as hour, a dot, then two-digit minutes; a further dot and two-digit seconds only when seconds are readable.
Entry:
11.28
